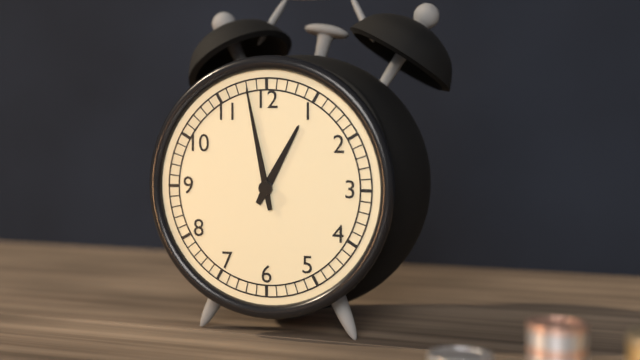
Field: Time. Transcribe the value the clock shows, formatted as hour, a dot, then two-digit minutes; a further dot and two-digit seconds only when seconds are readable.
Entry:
12.58
